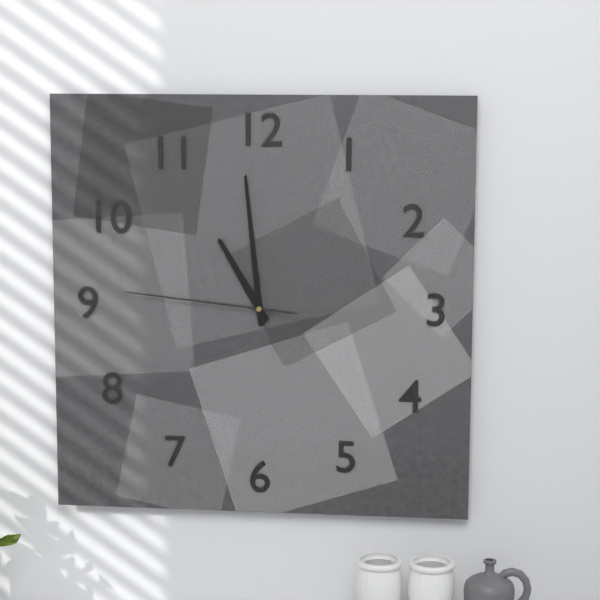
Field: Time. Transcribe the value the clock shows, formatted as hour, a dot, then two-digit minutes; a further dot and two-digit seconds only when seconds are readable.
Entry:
10.59.46
